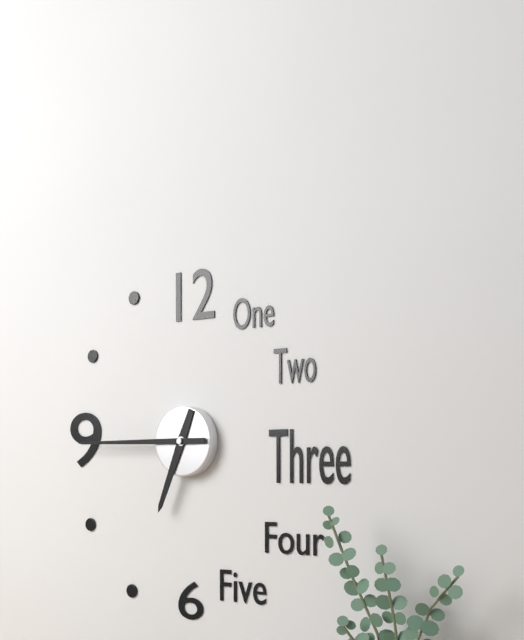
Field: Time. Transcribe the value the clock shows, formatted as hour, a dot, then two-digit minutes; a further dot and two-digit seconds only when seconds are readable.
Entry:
6.45
